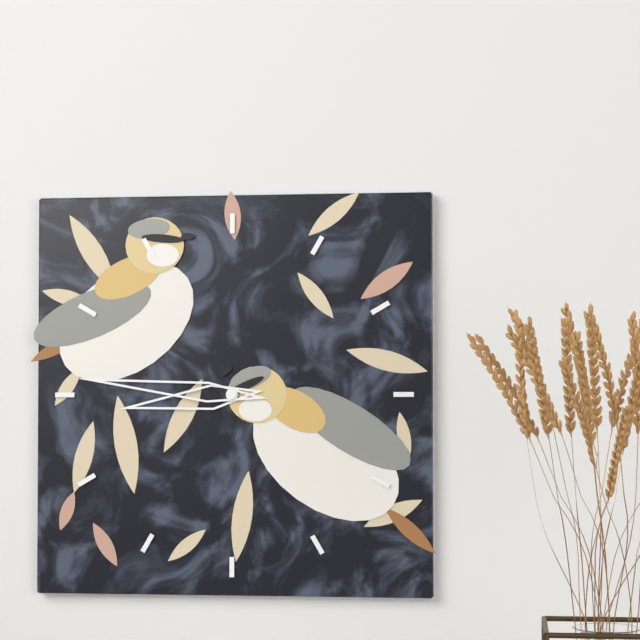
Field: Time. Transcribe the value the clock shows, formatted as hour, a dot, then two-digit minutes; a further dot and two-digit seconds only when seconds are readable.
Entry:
8.46
